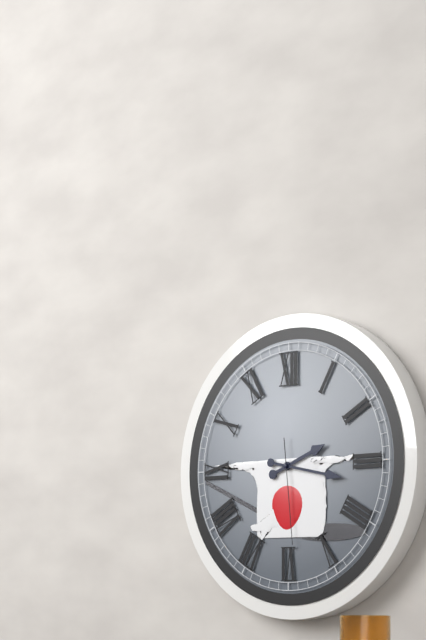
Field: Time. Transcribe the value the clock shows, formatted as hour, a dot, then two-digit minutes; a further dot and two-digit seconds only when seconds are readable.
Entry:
2.17.29
